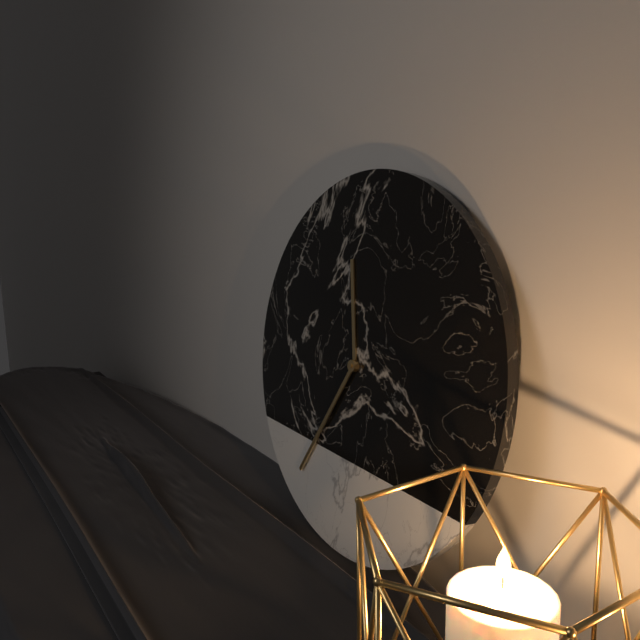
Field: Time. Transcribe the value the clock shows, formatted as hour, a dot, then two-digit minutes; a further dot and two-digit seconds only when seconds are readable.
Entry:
11.35
